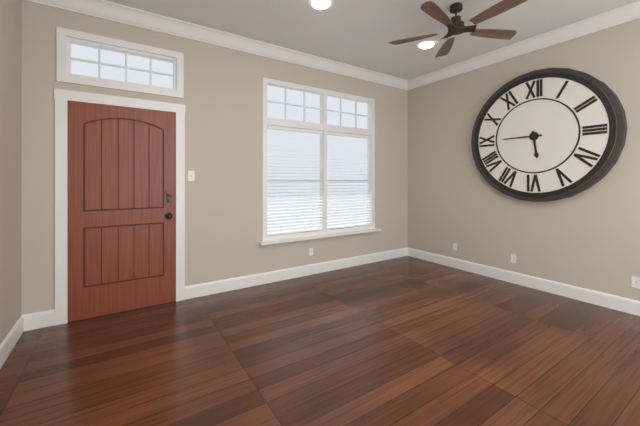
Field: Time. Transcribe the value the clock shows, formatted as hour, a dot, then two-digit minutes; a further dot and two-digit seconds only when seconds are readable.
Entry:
5.45
